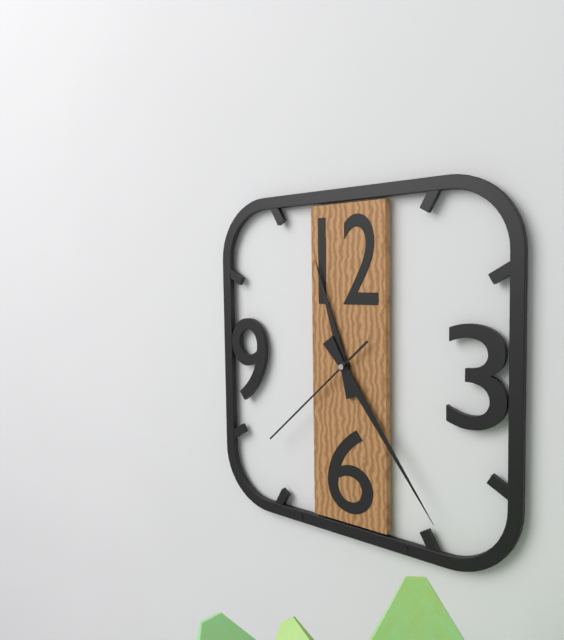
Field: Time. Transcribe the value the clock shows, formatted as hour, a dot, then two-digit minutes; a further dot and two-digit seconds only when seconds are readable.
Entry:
11.24.38
